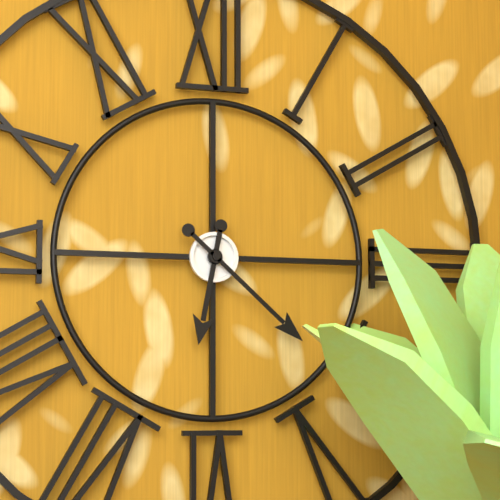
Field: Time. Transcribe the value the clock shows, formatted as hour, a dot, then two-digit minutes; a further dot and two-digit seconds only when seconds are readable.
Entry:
6.22
